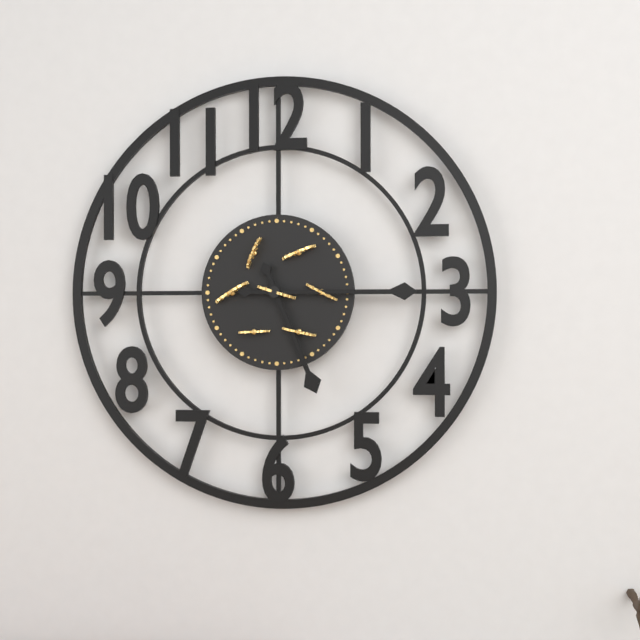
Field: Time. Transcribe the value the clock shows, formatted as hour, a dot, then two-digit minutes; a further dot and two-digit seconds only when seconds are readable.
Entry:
5.15
